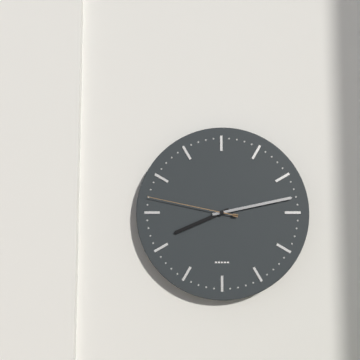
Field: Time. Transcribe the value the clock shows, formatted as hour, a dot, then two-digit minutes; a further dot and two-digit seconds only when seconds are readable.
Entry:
8.13.47
